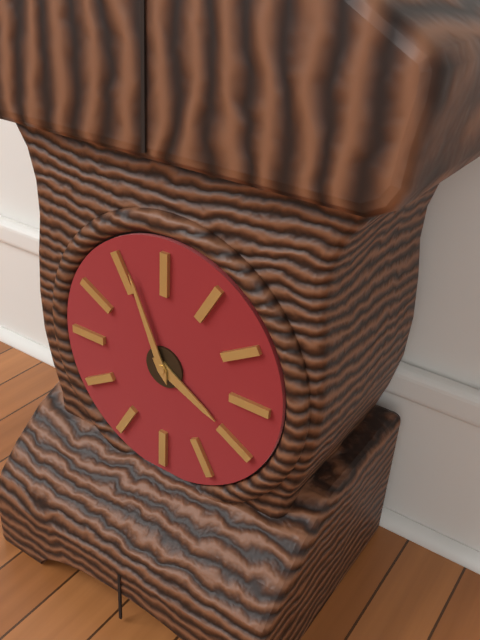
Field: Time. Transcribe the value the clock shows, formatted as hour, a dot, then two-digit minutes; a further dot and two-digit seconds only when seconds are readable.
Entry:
3.56
